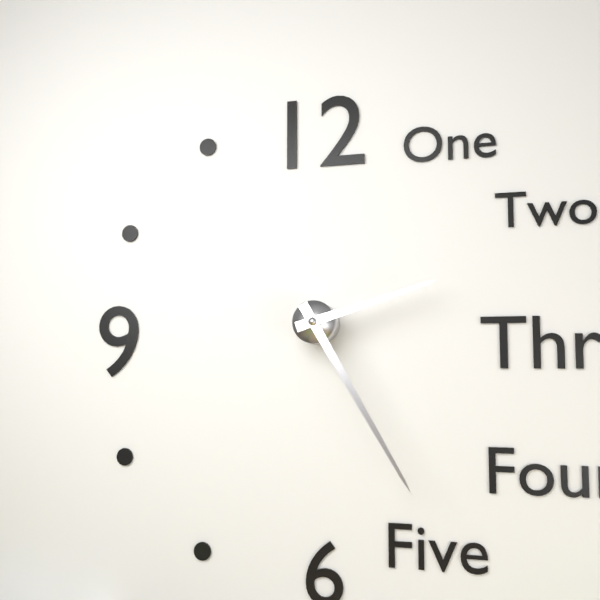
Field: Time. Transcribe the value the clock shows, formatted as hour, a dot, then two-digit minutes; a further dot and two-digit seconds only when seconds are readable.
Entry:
2.25
